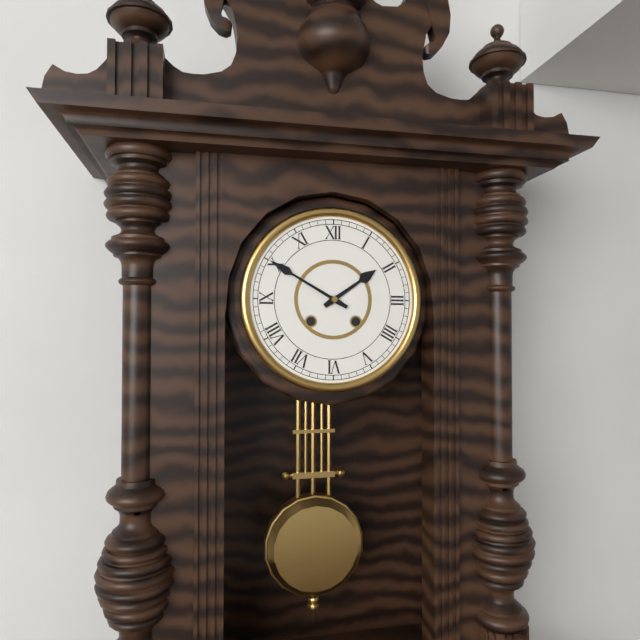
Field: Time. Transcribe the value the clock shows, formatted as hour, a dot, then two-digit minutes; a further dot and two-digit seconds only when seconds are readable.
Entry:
1.50
